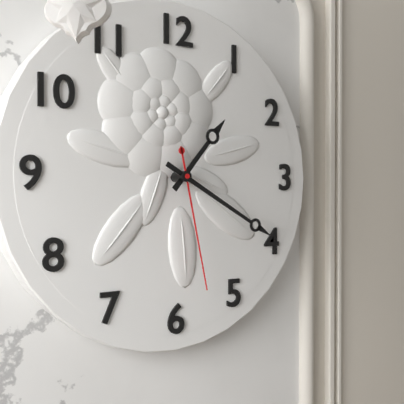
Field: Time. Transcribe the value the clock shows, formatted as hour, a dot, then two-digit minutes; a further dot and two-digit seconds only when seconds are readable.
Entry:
1.20.28
